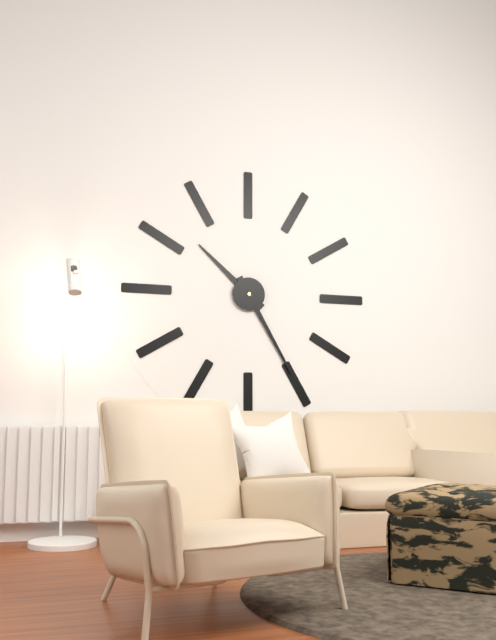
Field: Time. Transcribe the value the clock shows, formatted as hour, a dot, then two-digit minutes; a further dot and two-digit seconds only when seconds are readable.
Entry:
10.25
